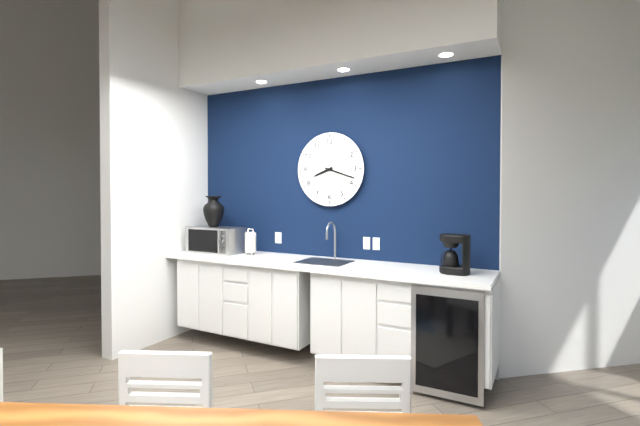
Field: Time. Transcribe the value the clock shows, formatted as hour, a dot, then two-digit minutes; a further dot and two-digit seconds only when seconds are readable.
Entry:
8.18
